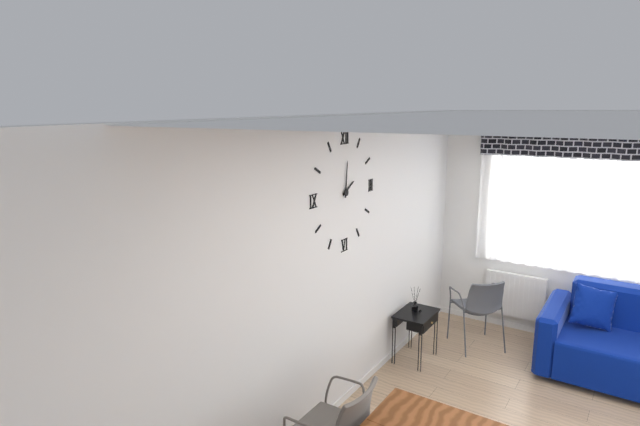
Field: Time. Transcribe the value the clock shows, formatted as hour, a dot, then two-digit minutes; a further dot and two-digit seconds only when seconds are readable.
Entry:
2.01
